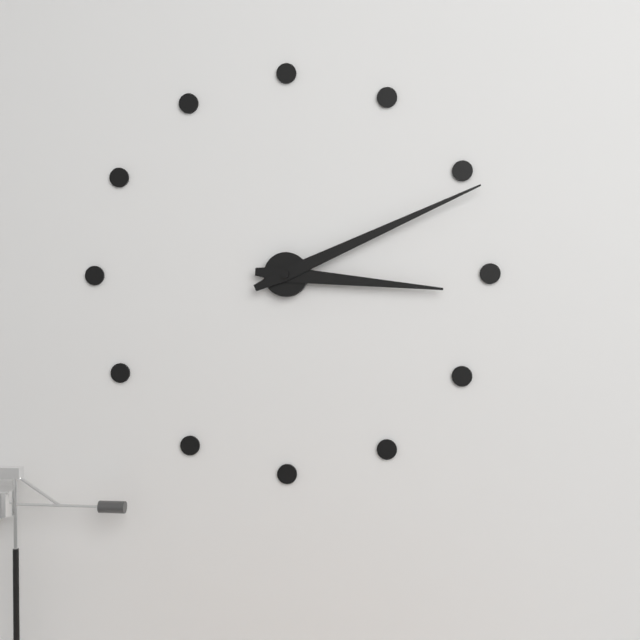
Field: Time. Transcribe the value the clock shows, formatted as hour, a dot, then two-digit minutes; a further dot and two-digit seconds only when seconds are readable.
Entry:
3.11
